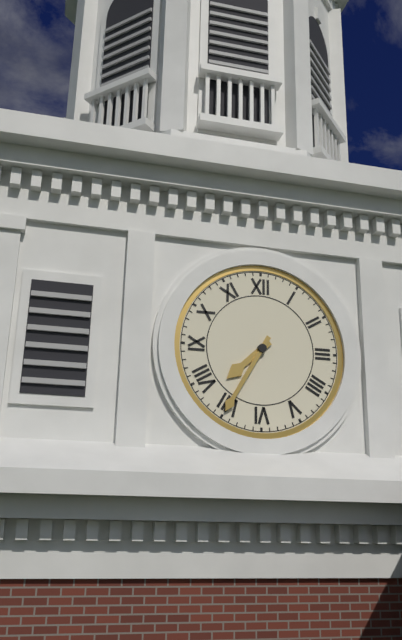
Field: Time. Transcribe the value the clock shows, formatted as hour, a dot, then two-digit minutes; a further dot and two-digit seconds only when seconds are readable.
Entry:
7.35
